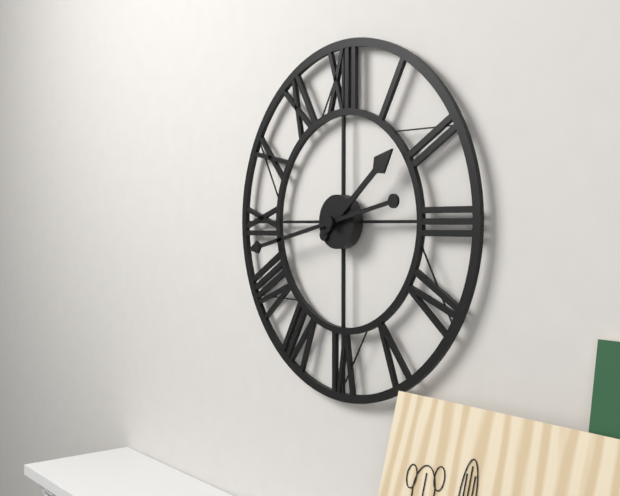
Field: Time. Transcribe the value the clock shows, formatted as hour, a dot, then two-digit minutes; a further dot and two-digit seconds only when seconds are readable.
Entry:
1.43
